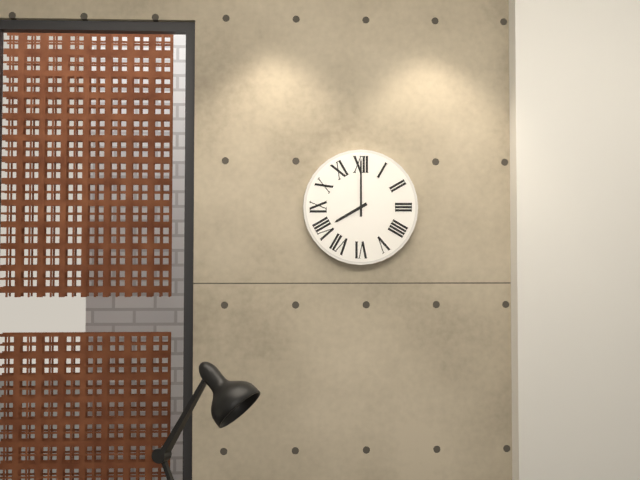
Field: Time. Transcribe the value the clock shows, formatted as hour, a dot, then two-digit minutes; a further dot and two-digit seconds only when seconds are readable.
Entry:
8.00
